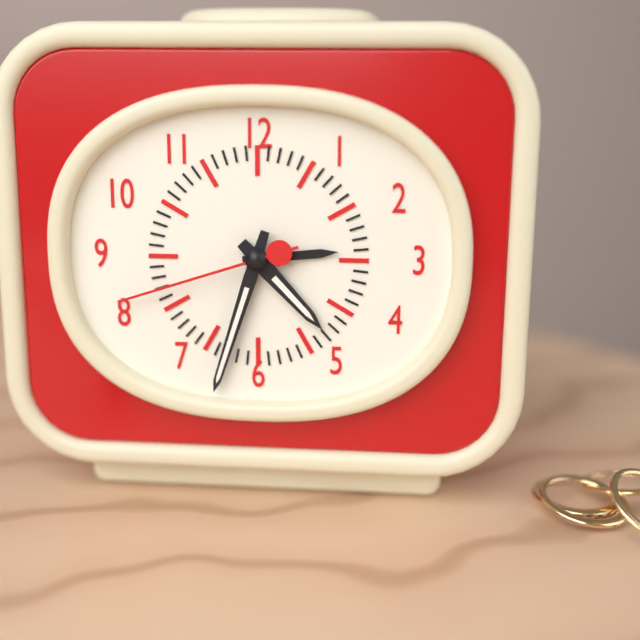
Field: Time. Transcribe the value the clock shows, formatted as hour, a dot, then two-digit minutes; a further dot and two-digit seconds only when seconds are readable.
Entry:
4.33.42
